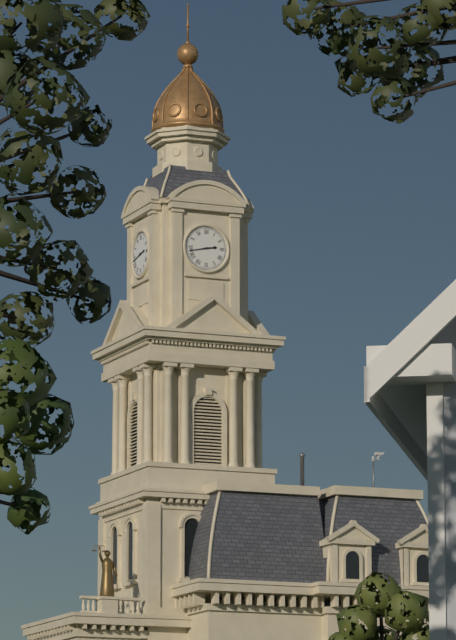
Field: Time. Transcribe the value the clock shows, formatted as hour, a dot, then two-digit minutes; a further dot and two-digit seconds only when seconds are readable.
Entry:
2.43
